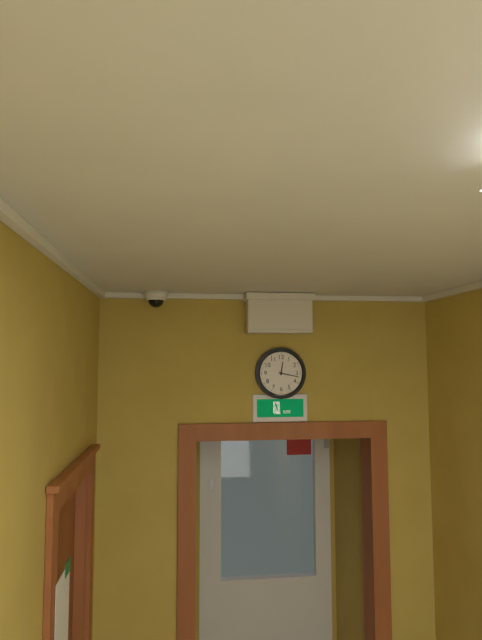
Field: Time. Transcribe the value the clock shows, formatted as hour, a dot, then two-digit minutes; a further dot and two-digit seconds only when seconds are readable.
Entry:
12.17
